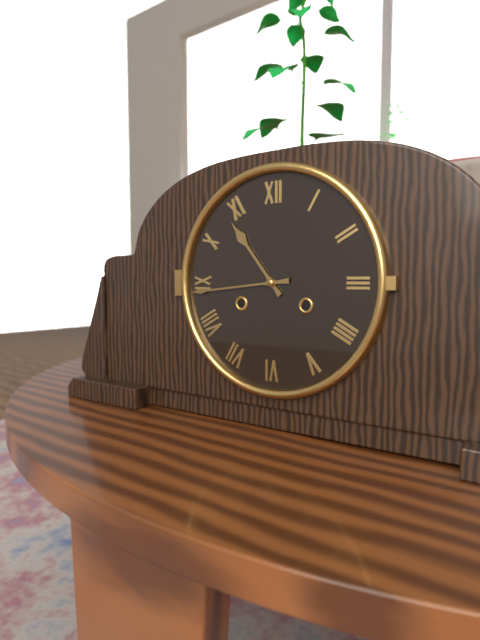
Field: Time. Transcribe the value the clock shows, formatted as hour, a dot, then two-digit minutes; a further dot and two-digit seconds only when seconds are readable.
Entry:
10.44
